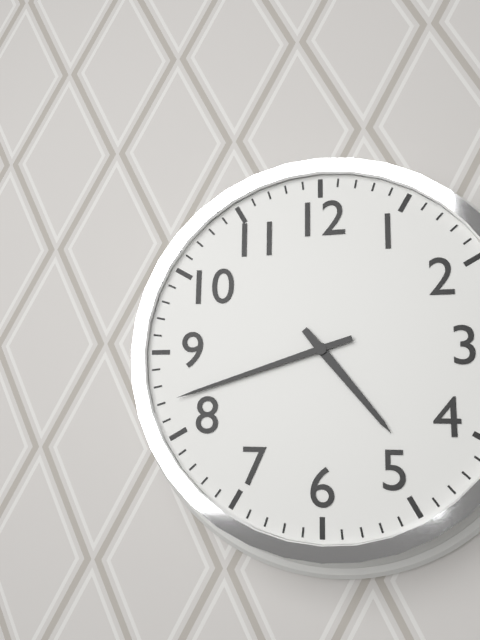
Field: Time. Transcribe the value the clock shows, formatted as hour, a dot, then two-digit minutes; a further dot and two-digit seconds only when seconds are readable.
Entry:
4.42
